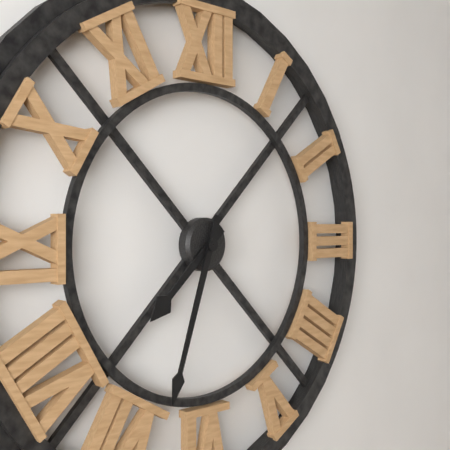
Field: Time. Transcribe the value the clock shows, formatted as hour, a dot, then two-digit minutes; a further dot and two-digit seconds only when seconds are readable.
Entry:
7.33
